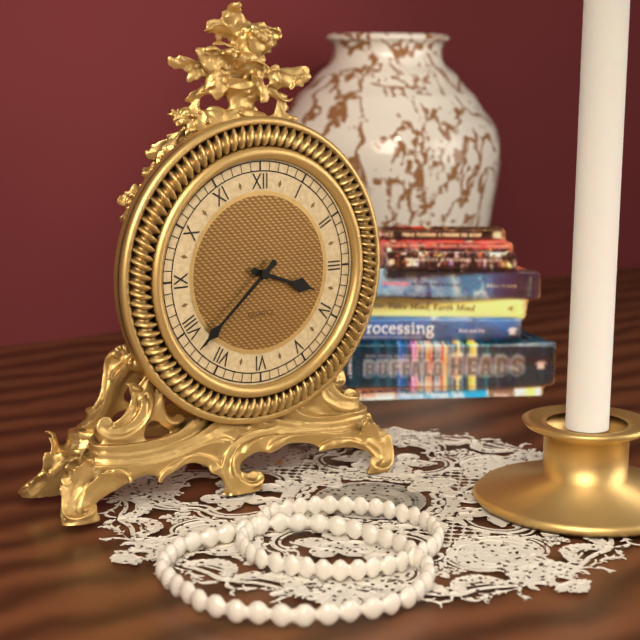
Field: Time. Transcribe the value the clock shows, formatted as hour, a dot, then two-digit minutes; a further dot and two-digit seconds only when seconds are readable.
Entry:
3.38
